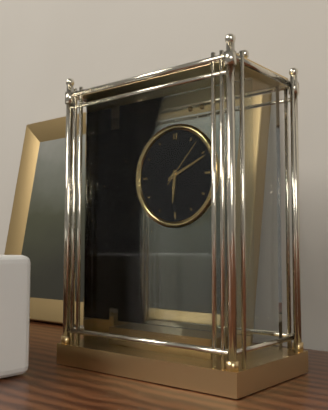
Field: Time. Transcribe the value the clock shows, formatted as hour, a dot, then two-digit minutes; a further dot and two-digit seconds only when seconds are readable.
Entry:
6.11.07
